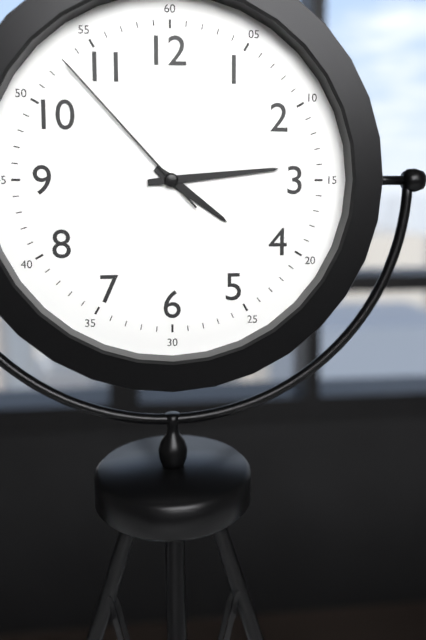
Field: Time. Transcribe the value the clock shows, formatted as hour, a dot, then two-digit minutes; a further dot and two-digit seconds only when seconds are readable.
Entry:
4.14.53
